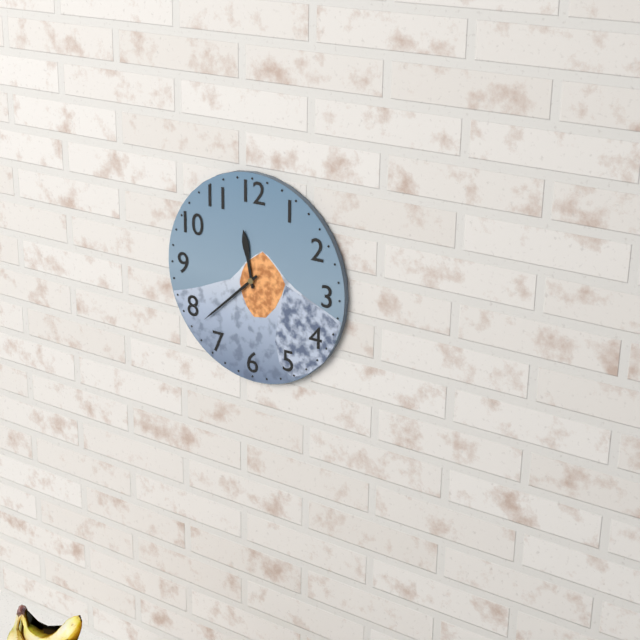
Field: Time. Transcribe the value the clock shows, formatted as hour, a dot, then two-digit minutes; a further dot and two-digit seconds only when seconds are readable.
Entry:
11.38
